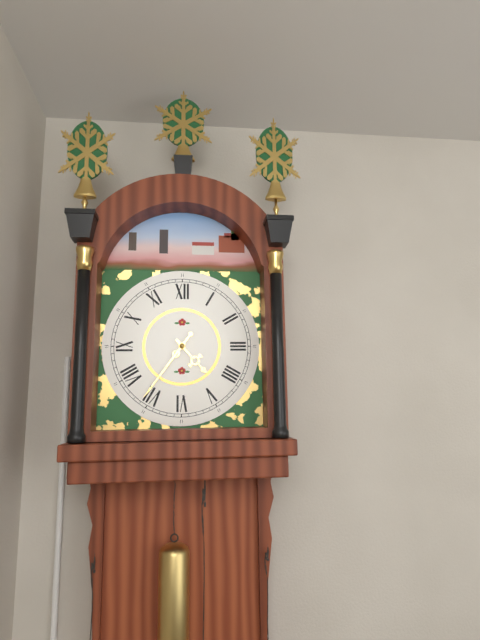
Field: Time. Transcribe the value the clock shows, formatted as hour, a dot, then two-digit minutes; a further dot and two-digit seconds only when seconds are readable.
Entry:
4.36
